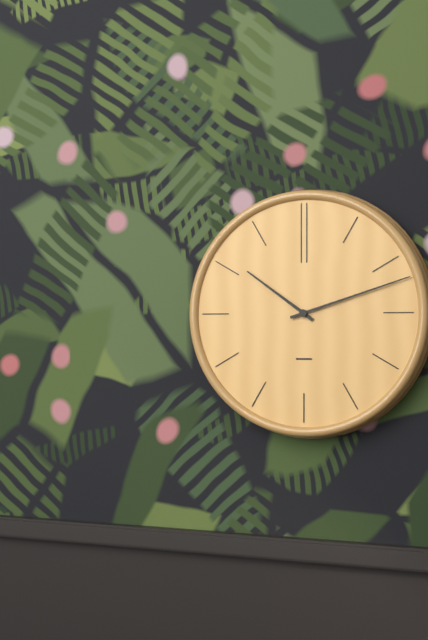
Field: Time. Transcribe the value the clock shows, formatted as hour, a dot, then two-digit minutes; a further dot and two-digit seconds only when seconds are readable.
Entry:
10.12
